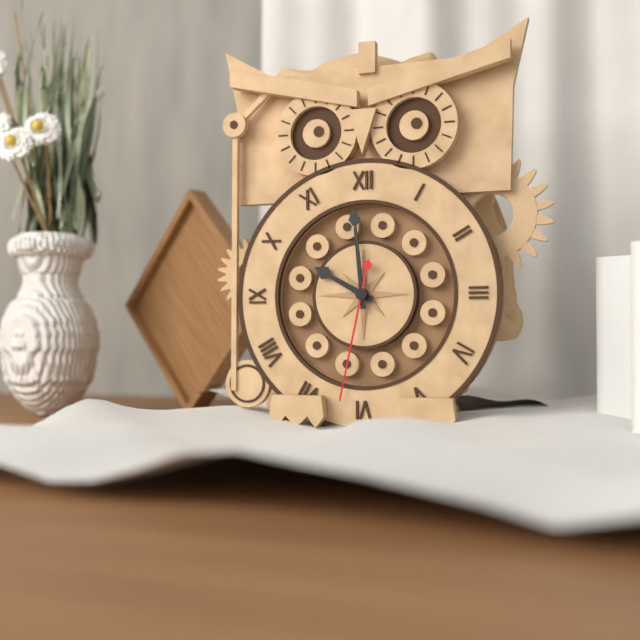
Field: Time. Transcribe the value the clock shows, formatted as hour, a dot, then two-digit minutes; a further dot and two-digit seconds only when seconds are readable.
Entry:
9.59.32
